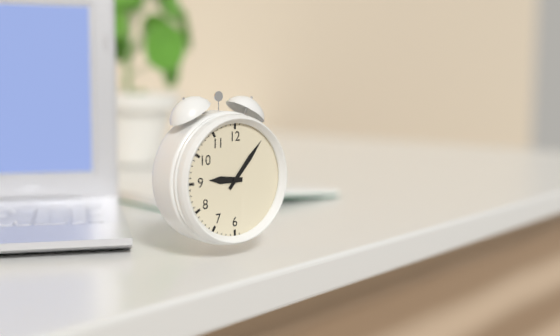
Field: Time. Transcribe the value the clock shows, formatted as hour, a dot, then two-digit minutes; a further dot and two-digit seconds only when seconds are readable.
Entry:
9.07
